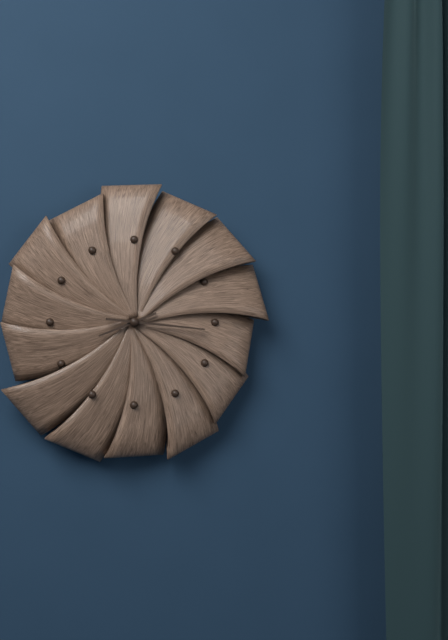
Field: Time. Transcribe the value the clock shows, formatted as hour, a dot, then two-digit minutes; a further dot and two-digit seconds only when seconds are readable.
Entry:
8.16
